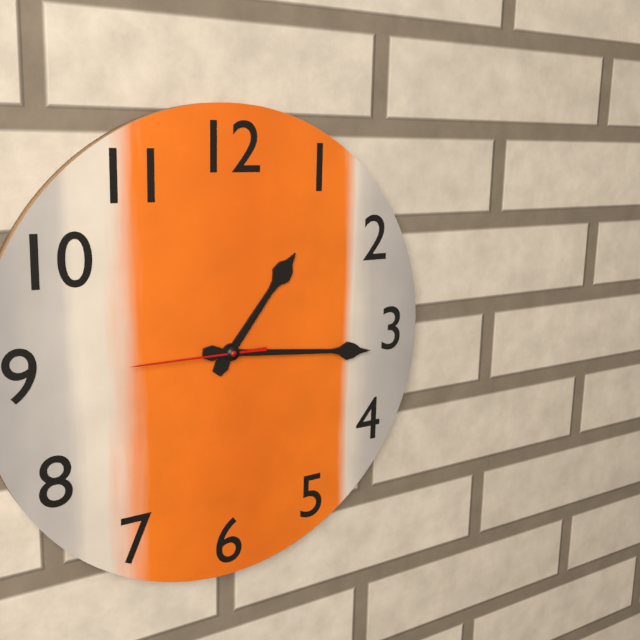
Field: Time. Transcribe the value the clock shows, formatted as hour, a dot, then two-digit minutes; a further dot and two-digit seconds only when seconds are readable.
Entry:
1.16.45
